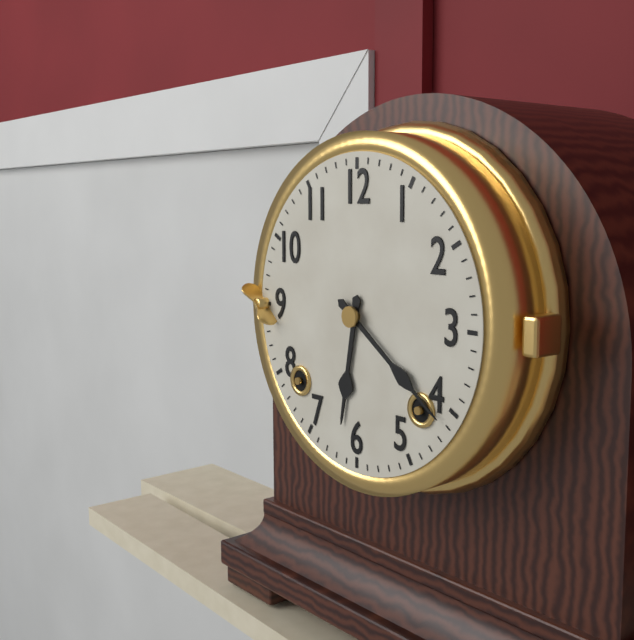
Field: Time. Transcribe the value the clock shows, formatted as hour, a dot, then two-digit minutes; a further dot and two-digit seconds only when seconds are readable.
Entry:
6.21
